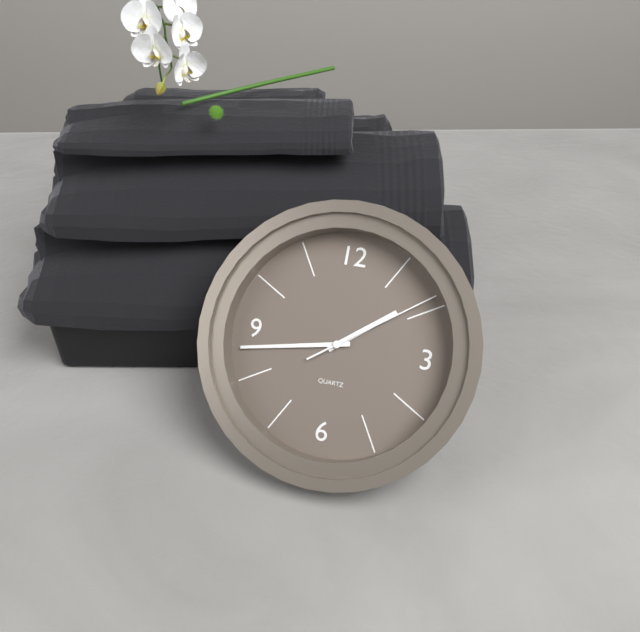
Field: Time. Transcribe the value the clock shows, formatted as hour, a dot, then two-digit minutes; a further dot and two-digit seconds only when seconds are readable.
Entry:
1.43.09
